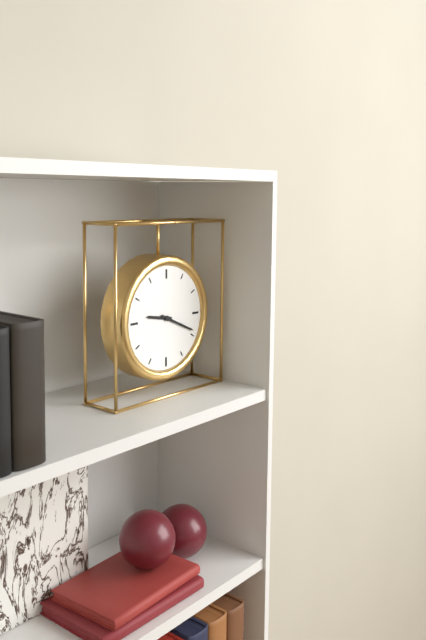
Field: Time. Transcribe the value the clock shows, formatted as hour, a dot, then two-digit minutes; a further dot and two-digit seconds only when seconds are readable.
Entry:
9.19
